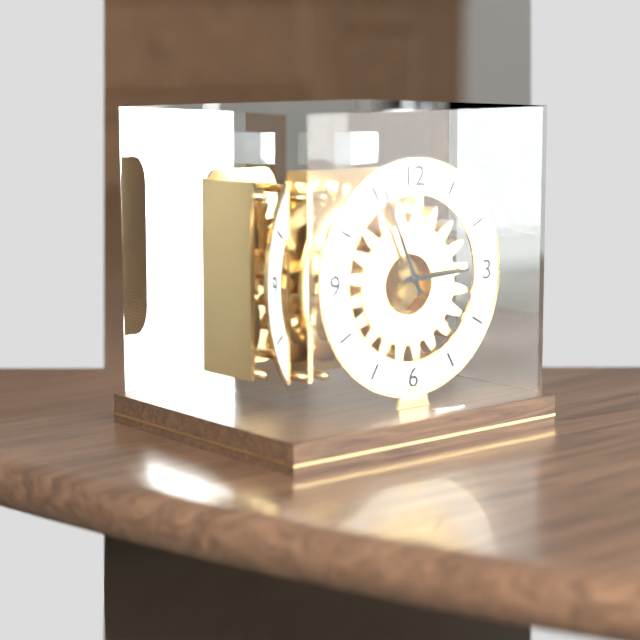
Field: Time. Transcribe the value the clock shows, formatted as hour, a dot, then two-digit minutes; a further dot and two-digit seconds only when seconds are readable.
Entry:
2.56
